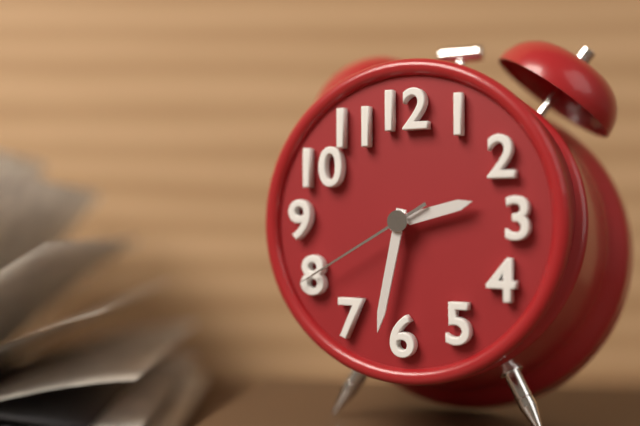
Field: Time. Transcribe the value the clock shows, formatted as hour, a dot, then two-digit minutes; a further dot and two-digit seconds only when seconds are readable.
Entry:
2.32.40
